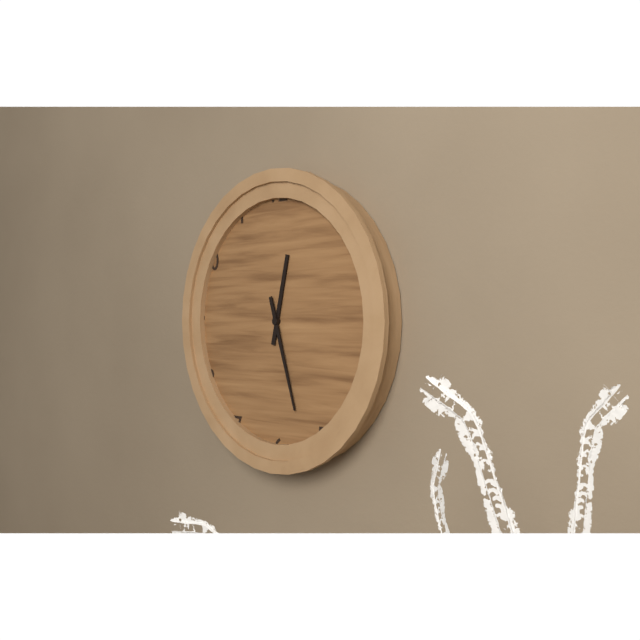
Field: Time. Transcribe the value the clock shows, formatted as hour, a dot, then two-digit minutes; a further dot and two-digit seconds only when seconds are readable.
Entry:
12.27
